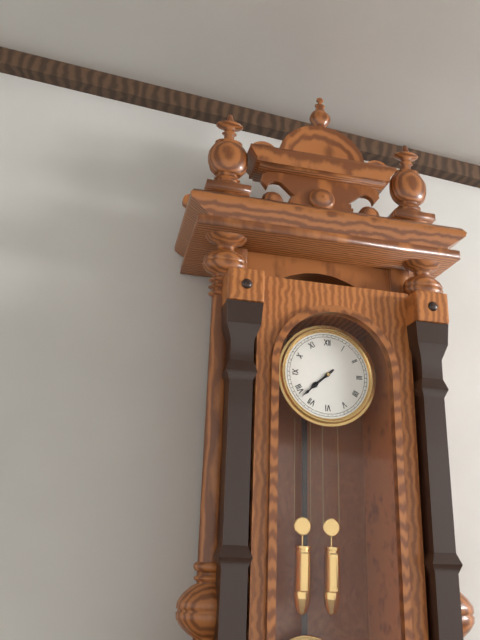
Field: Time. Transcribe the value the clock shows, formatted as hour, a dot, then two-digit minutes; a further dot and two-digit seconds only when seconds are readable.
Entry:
7.38
